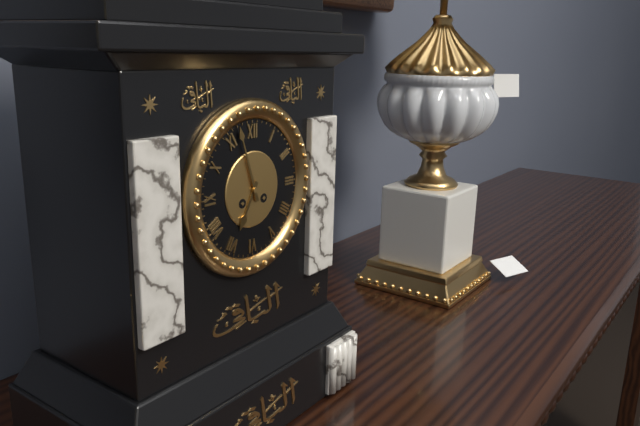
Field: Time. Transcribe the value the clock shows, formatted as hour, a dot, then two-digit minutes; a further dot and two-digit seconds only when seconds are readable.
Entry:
6.57
